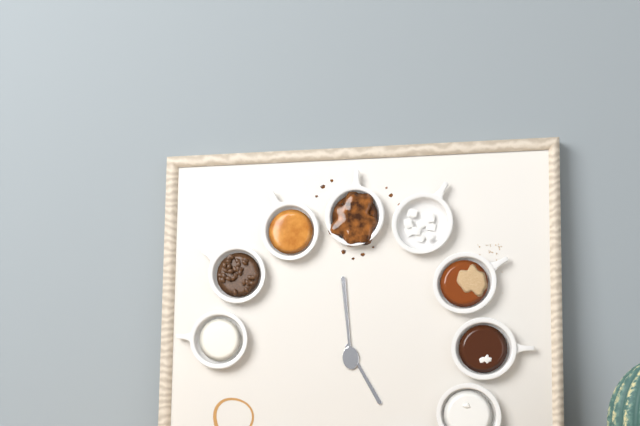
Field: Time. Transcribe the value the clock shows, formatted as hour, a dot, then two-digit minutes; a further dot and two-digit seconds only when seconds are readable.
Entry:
4.59
